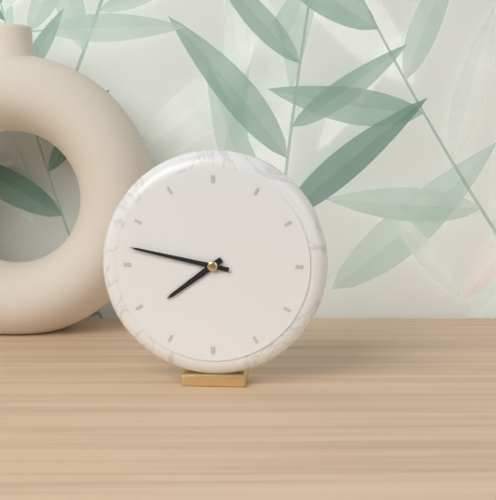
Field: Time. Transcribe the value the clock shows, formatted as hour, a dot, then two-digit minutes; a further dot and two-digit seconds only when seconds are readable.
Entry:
7.47
